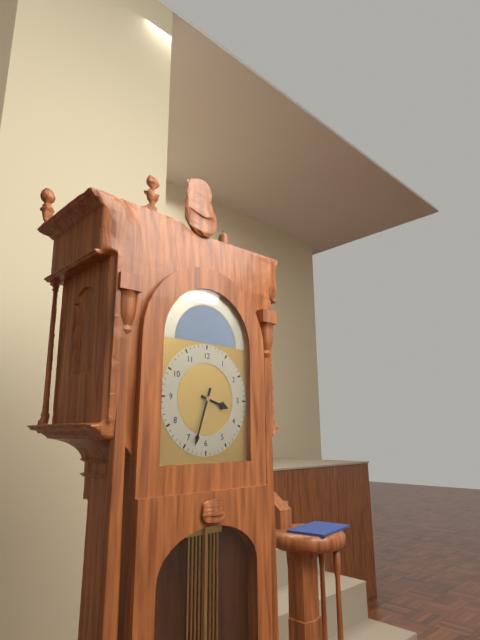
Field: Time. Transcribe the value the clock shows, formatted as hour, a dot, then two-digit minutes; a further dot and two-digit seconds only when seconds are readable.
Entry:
3.33
